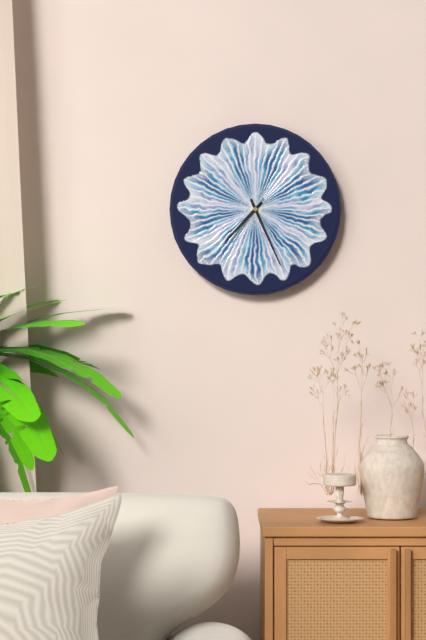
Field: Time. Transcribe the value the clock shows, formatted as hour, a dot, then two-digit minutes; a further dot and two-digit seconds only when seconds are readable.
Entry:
7.26.36
